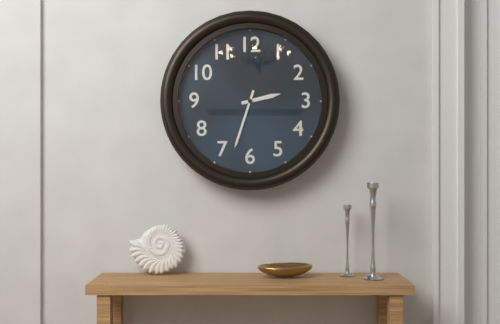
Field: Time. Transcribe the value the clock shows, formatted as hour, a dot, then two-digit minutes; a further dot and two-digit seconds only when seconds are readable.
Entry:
2.33
